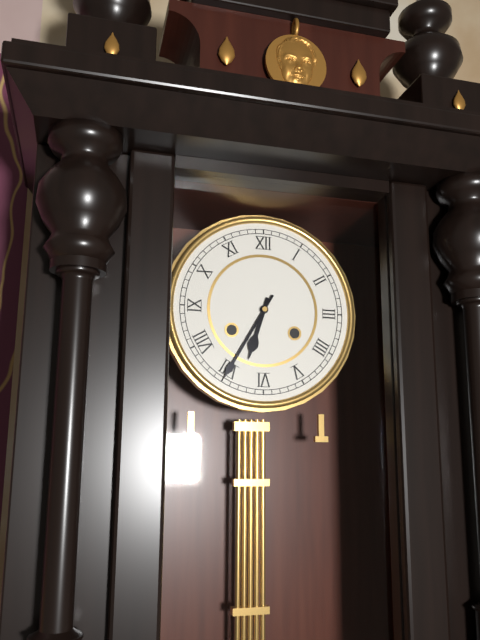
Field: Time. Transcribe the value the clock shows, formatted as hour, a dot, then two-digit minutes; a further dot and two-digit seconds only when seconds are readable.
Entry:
6.35
